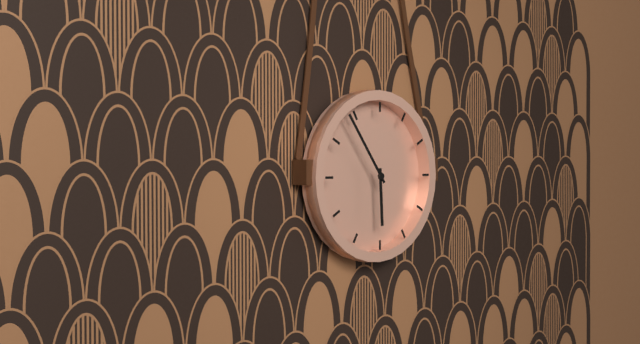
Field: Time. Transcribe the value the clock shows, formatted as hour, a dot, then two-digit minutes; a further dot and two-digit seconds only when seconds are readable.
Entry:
5.54
